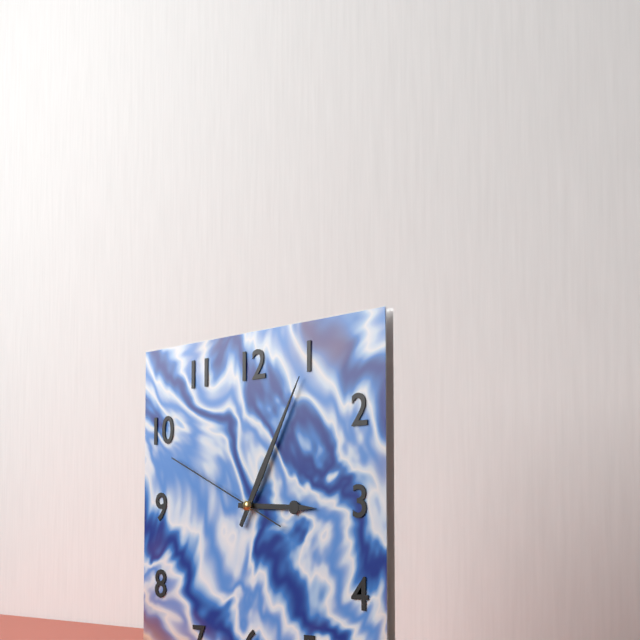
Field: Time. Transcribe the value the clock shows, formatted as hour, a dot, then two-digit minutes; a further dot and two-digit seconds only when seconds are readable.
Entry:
3.05.49
